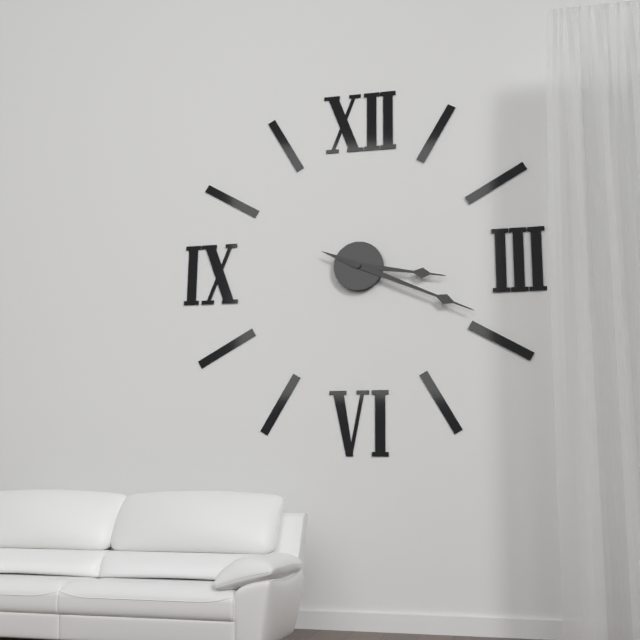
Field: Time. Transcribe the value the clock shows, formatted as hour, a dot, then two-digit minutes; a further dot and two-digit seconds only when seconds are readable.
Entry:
3.19
